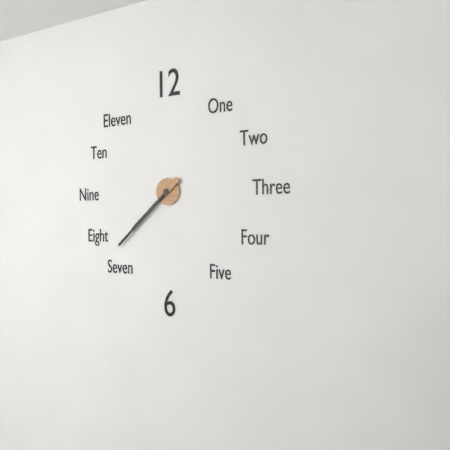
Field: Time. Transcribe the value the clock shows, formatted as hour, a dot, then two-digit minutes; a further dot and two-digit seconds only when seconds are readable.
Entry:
7.38
